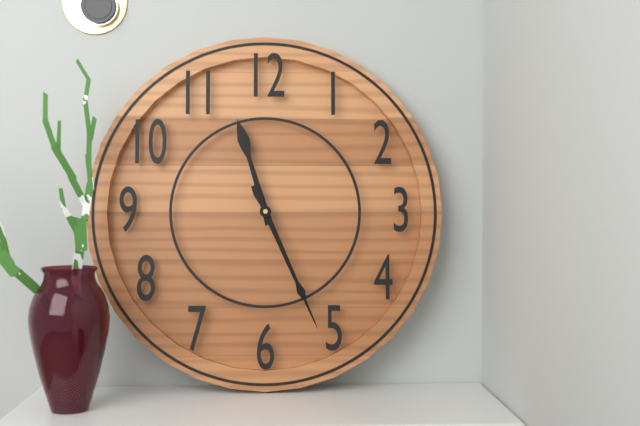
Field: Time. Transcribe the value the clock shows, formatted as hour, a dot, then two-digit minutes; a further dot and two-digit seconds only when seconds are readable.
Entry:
11.26
